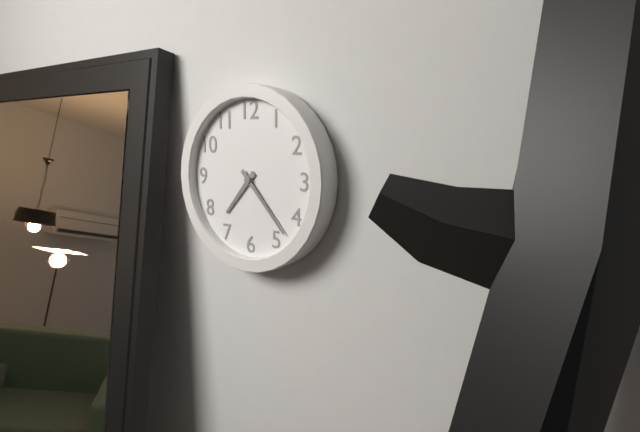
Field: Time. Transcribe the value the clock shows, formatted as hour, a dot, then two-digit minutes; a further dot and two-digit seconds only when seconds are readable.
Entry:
7.23
